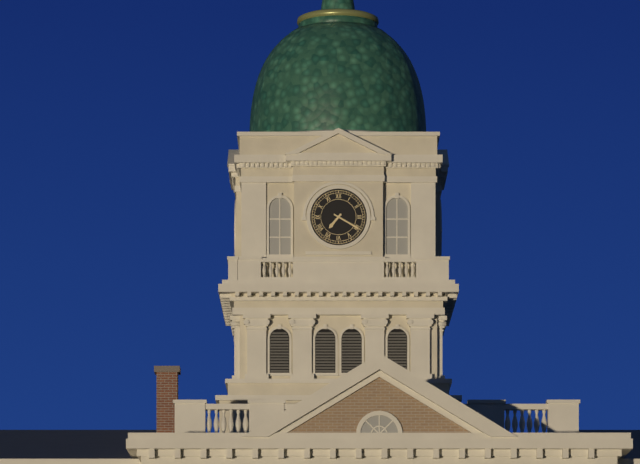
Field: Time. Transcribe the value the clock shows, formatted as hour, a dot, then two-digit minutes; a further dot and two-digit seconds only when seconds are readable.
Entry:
7.20
